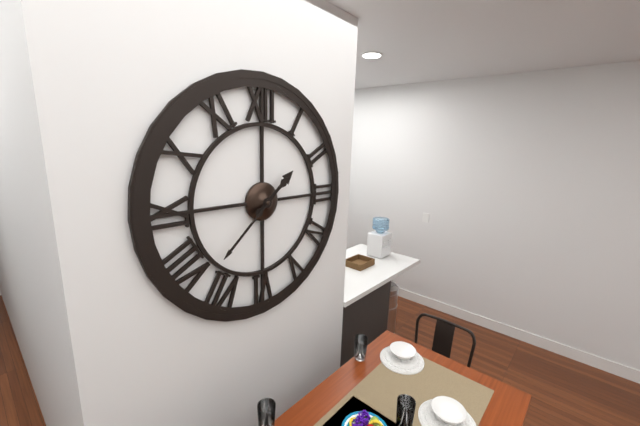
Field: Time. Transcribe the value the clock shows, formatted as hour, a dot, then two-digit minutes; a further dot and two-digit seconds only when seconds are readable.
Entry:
1.38
